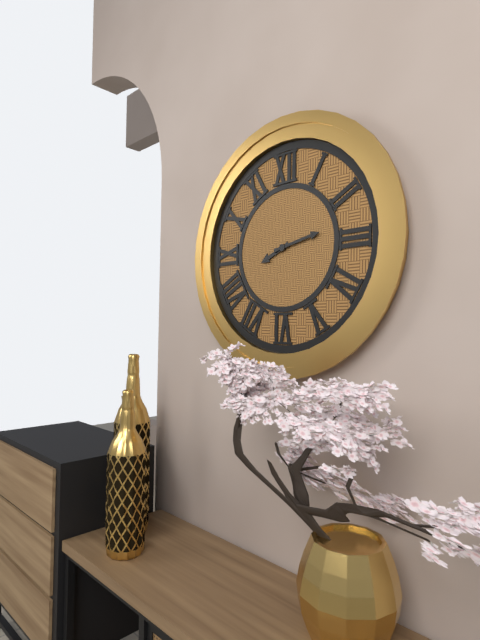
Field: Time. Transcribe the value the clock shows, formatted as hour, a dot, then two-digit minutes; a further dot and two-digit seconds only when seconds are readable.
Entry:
8.13
